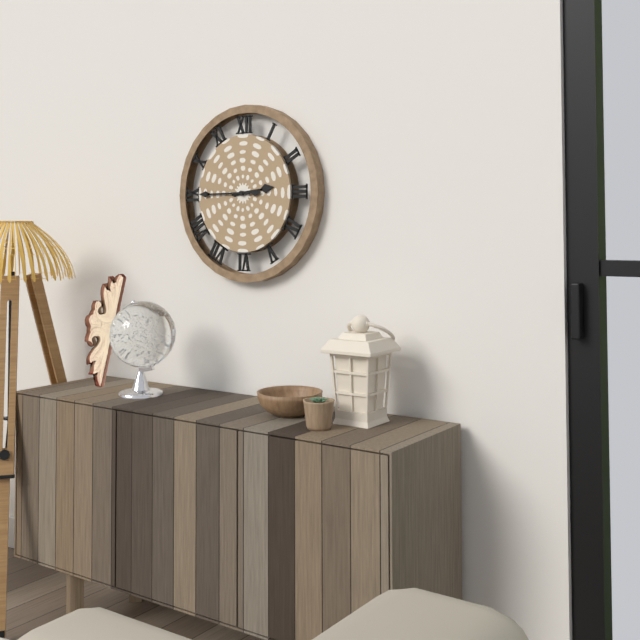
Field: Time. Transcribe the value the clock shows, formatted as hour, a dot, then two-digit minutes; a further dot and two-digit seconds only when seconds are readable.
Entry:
2.45
